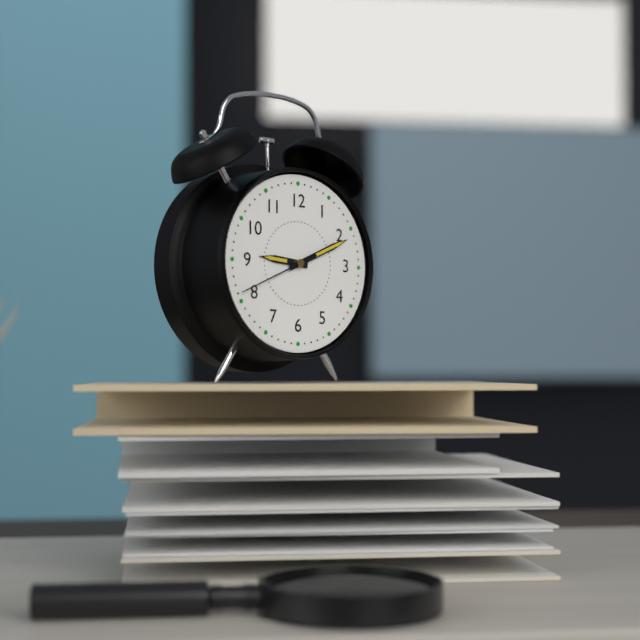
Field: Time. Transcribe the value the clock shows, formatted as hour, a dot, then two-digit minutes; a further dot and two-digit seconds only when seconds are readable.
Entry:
9.11.41
